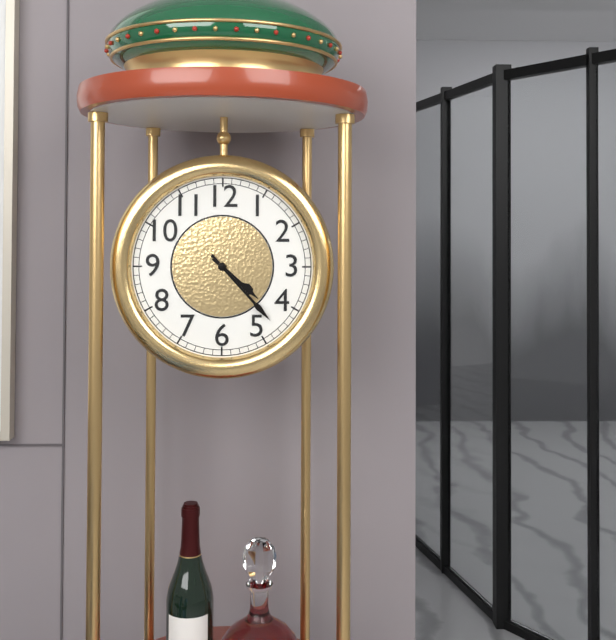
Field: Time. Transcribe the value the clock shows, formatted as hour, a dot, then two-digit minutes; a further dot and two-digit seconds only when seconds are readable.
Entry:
4.23
